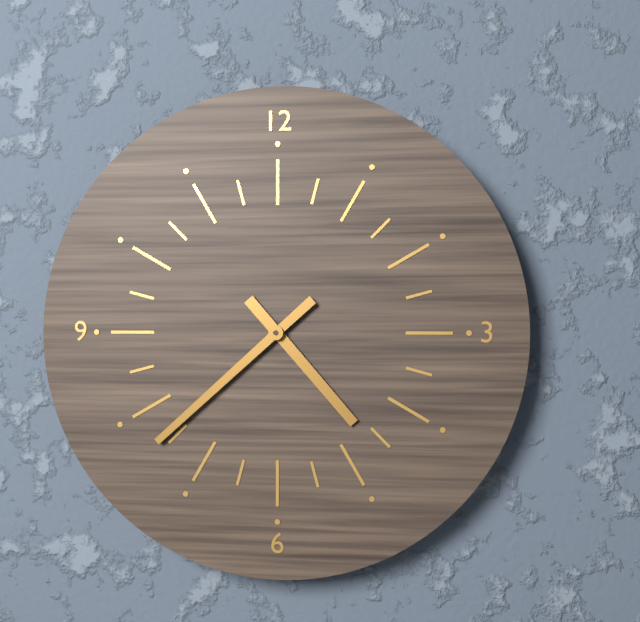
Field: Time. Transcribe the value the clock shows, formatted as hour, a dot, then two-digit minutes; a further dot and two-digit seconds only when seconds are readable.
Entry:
4.38
